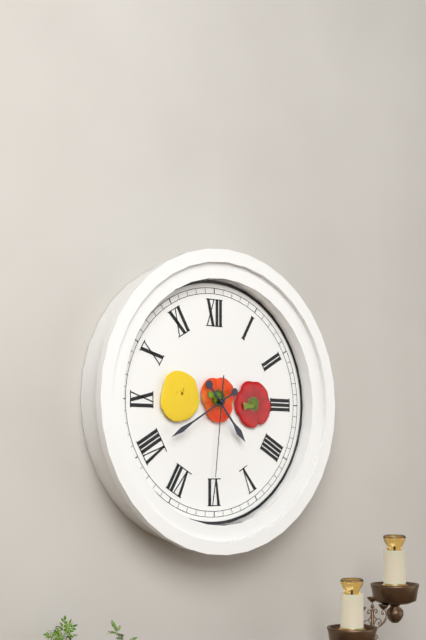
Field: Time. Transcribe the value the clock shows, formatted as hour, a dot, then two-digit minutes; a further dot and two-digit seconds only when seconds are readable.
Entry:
4.40.31
